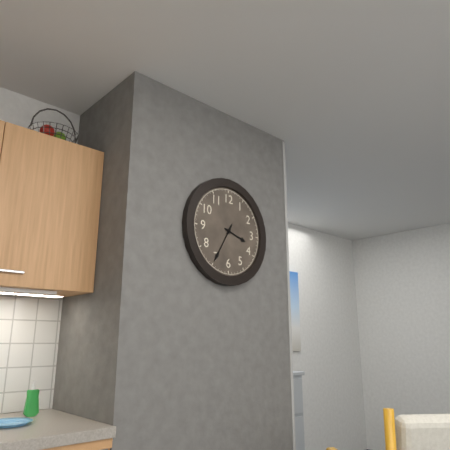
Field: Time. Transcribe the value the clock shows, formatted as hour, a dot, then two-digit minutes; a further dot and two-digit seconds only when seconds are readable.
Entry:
3.35
